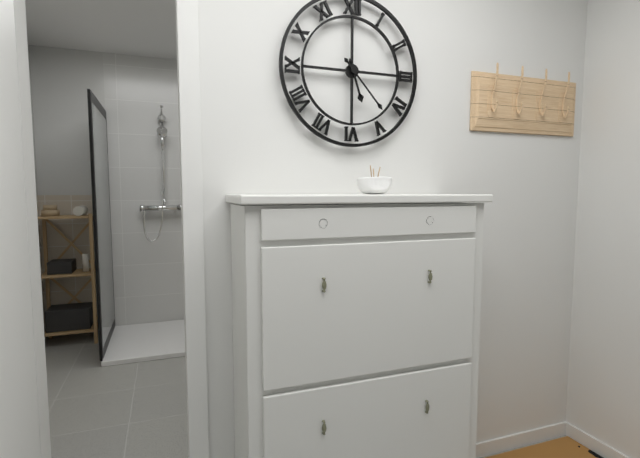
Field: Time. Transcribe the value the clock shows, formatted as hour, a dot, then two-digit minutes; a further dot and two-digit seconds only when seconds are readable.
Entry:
5.23
